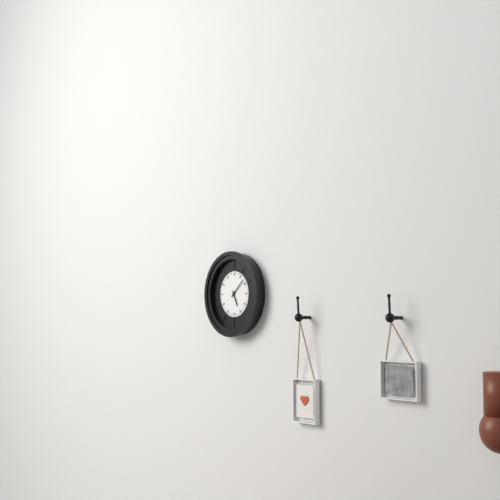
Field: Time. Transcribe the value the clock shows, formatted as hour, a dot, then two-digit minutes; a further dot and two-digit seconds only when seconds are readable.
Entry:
5.08
